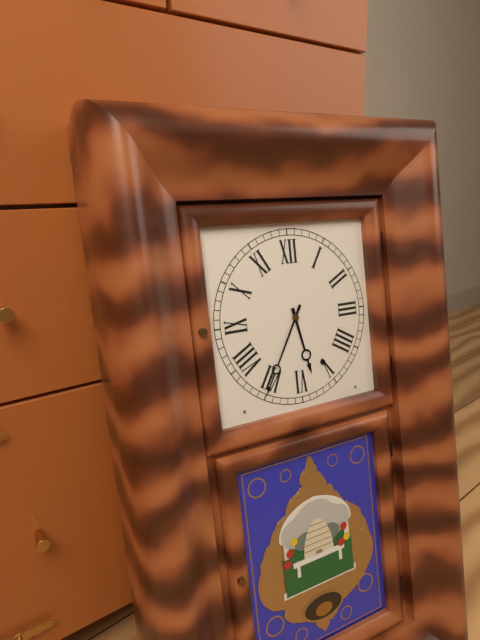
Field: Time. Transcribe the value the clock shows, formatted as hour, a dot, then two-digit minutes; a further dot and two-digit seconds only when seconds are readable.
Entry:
5.35
